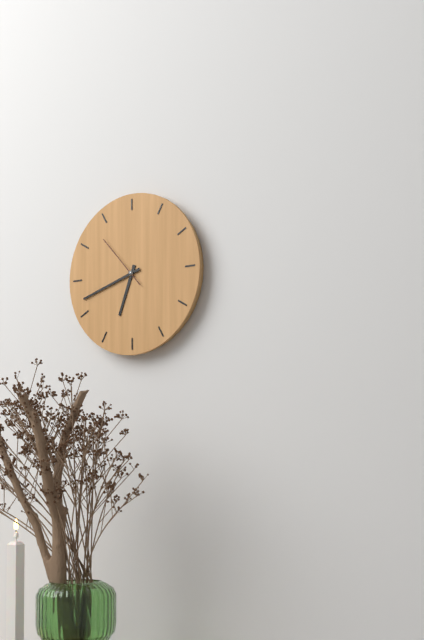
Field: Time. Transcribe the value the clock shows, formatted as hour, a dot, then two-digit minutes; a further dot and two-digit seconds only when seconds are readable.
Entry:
6.42.53
